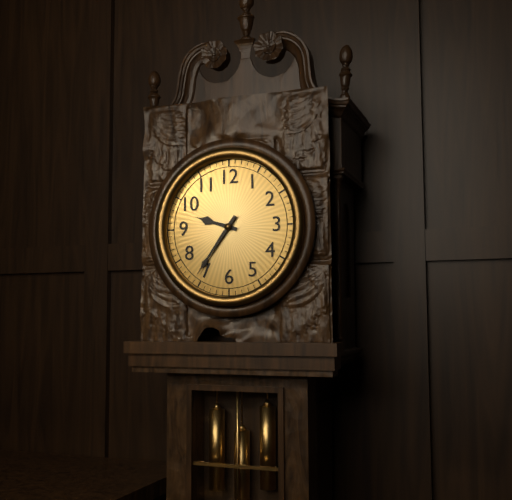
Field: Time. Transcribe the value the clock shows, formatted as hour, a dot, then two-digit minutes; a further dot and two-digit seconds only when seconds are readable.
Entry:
9.36
